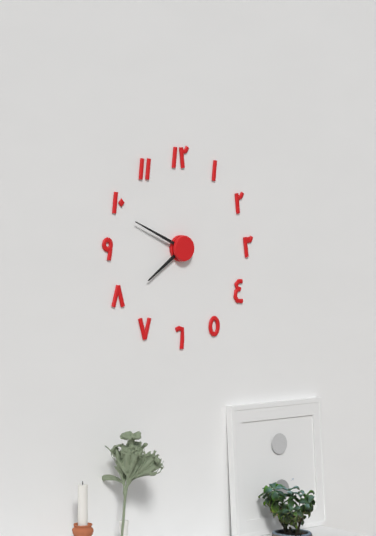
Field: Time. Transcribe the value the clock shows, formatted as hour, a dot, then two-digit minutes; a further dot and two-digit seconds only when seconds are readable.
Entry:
7.49
